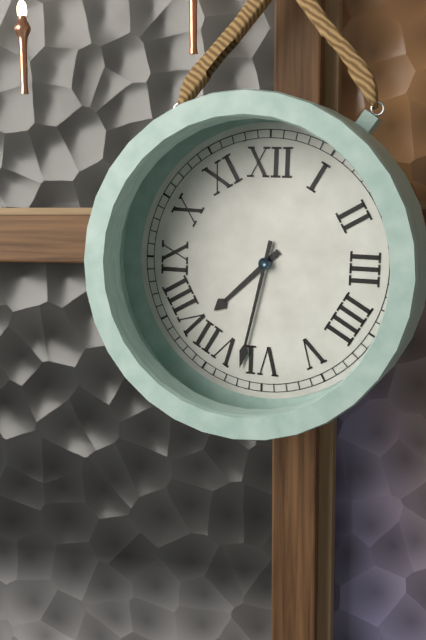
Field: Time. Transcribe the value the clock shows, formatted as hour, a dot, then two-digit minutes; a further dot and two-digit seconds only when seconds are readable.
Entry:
7.32
